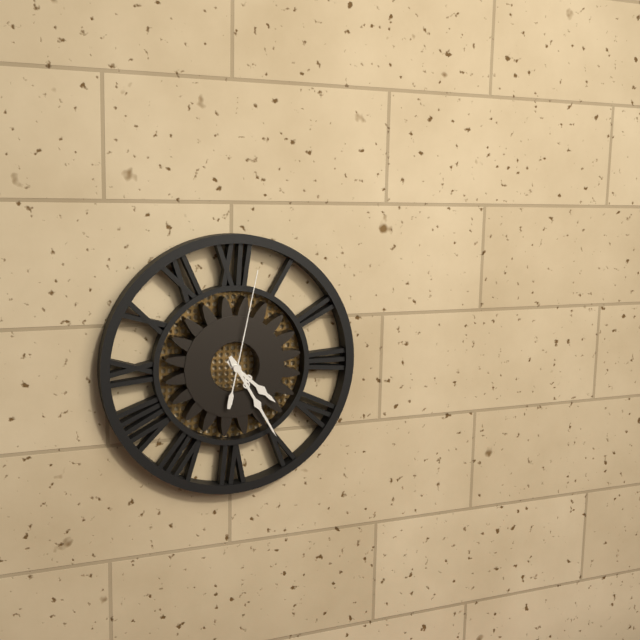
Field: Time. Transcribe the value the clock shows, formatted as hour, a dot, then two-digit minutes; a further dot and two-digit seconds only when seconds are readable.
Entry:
4.25.02
